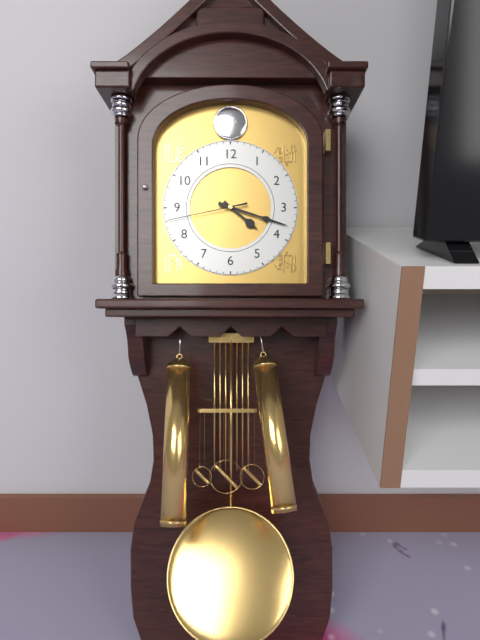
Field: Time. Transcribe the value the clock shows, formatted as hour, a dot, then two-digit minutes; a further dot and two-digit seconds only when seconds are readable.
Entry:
4.18.43
